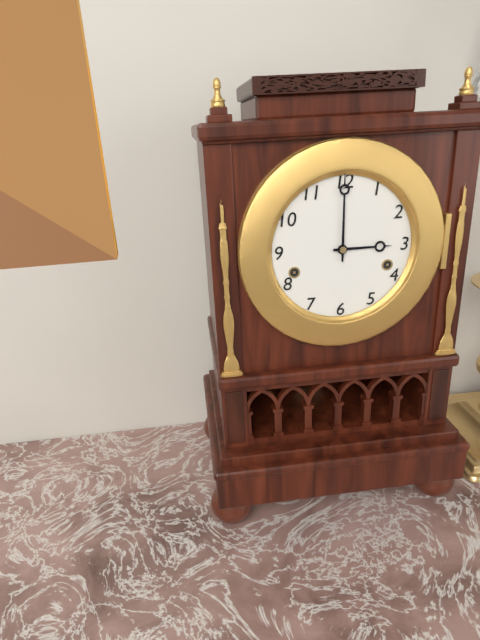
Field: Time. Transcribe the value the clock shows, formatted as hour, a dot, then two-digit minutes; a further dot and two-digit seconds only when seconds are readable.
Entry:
3.00
